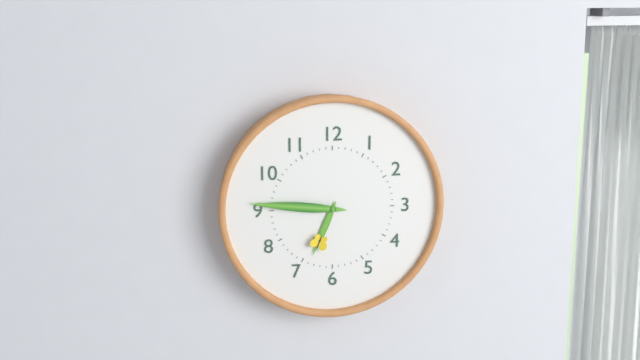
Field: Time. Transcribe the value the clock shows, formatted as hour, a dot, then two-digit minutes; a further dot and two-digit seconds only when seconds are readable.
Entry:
6.46
